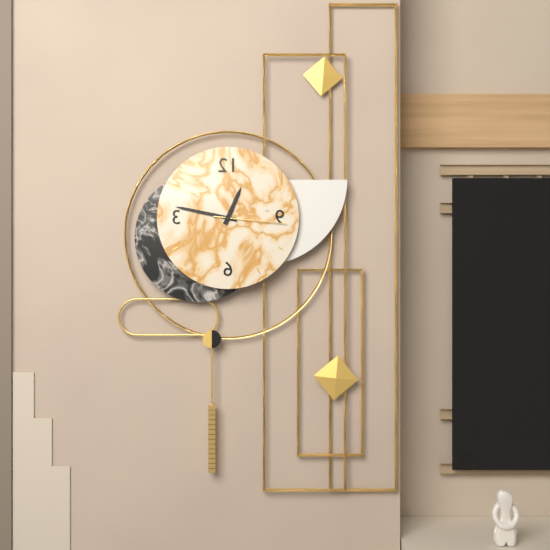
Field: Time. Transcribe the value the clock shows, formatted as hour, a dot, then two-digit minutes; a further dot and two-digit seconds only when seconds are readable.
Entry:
12.47.16
